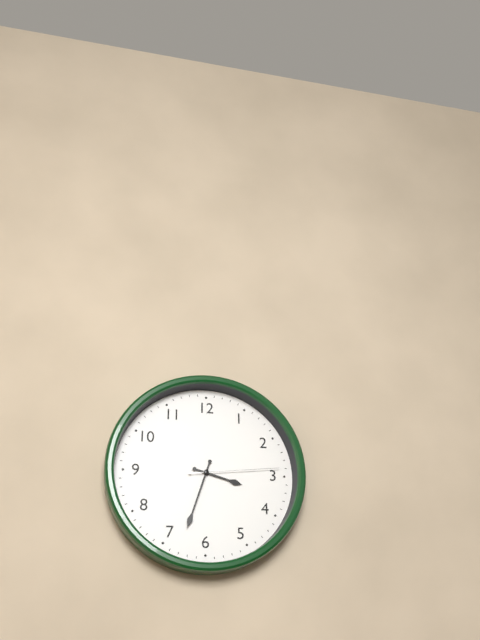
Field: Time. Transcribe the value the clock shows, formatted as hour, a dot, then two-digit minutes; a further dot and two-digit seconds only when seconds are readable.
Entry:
3.33.14
